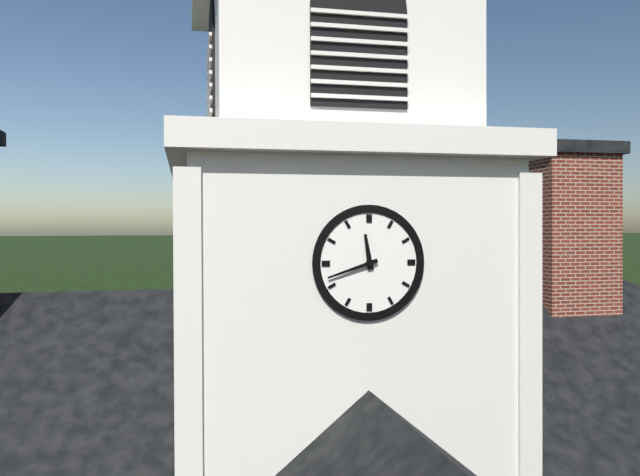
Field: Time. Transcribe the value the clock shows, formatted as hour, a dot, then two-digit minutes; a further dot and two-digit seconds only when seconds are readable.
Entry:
11.42
